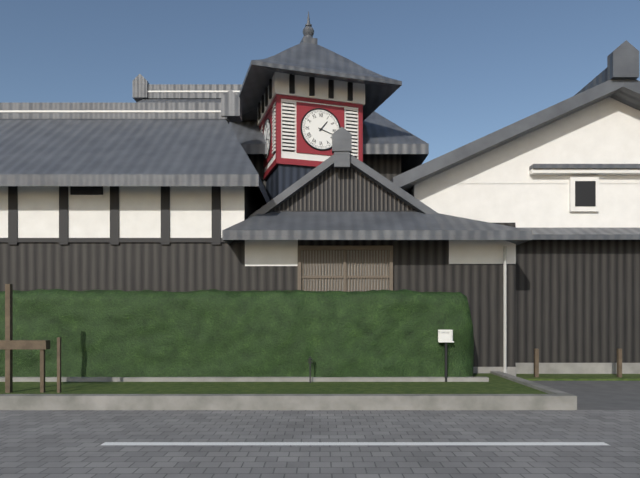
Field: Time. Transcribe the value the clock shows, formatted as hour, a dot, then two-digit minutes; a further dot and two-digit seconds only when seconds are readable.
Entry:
1.18
